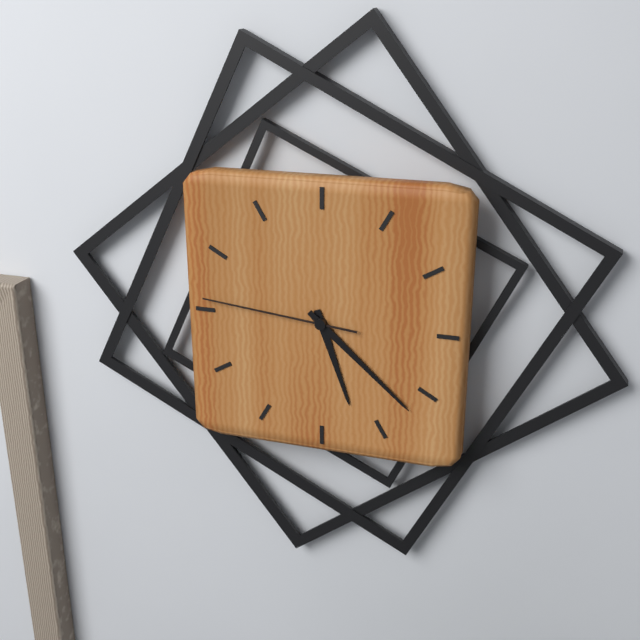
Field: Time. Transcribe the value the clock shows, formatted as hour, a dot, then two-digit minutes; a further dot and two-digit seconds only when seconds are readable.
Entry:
5.22.46
